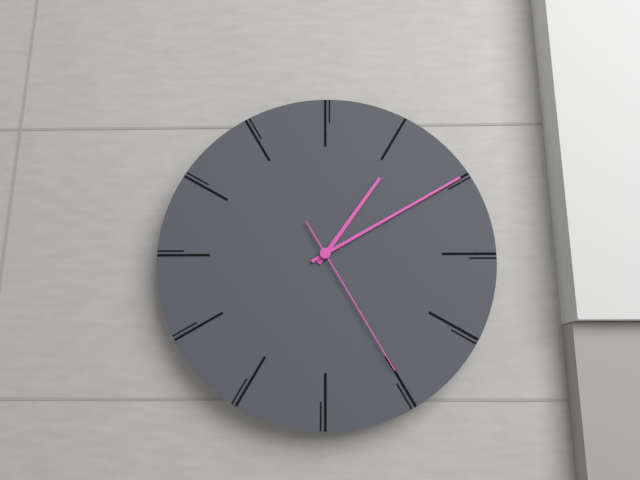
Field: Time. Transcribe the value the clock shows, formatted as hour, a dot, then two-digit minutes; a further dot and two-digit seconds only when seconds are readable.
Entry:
1.10.25
